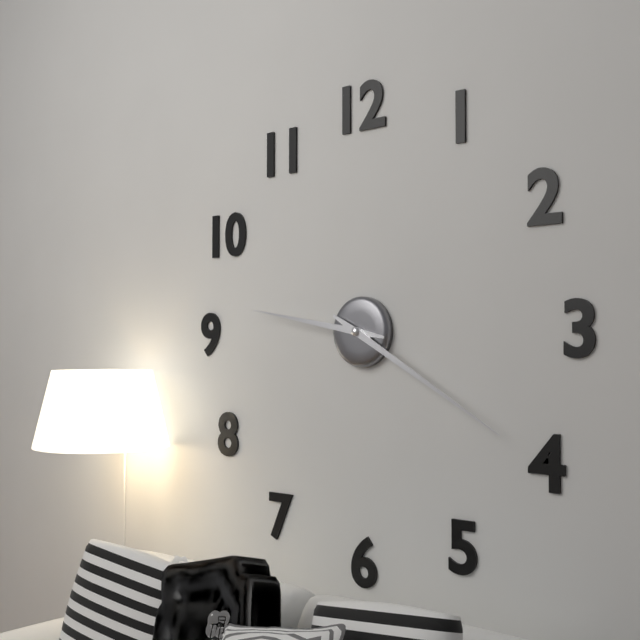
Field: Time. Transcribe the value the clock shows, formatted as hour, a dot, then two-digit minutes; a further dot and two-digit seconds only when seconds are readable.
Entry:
9.20
